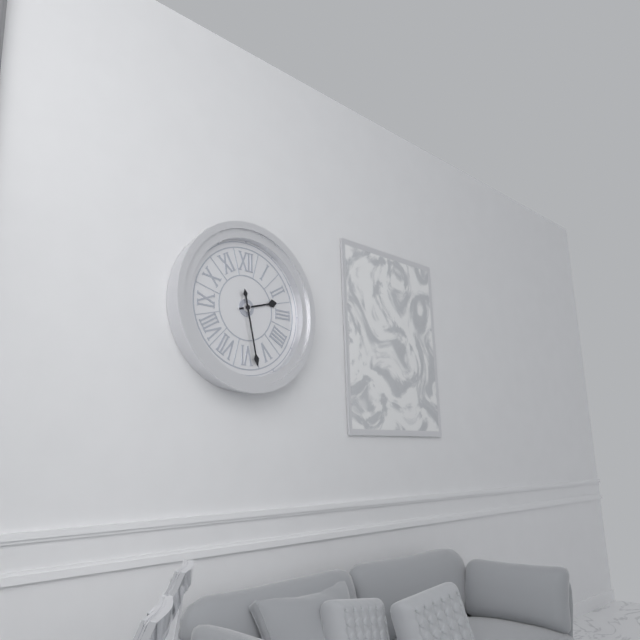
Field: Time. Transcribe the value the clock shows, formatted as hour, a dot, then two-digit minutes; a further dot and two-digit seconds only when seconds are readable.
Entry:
2.28
